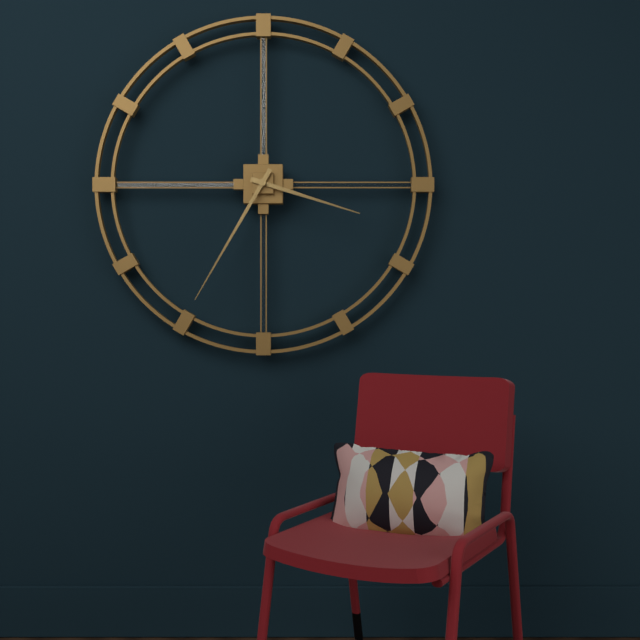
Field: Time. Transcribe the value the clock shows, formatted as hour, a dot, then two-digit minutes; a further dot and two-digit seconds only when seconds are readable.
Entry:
3.35
